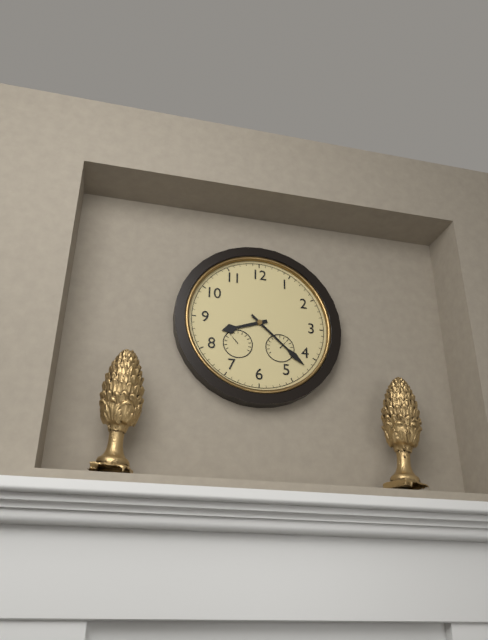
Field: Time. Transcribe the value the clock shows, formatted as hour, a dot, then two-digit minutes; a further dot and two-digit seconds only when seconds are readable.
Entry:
8.22
